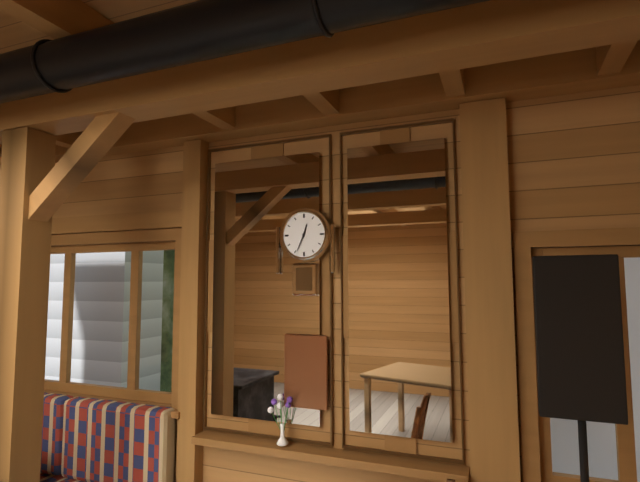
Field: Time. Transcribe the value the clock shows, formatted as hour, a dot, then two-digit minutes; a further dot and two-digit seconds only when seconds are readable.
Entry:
12.34
